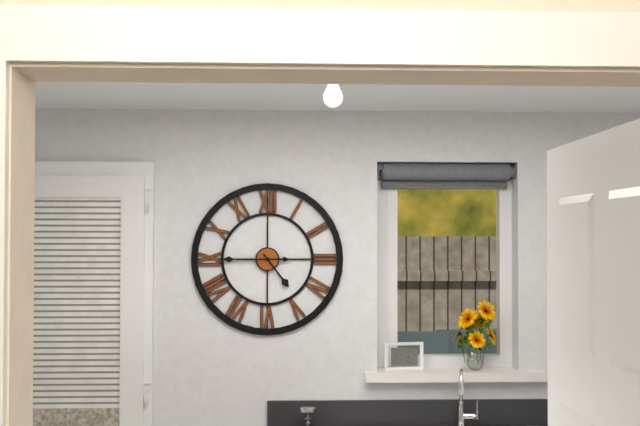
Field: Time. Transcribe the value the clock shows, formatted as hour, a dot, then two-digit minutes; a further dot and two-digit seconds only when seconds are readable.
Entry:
4.45
